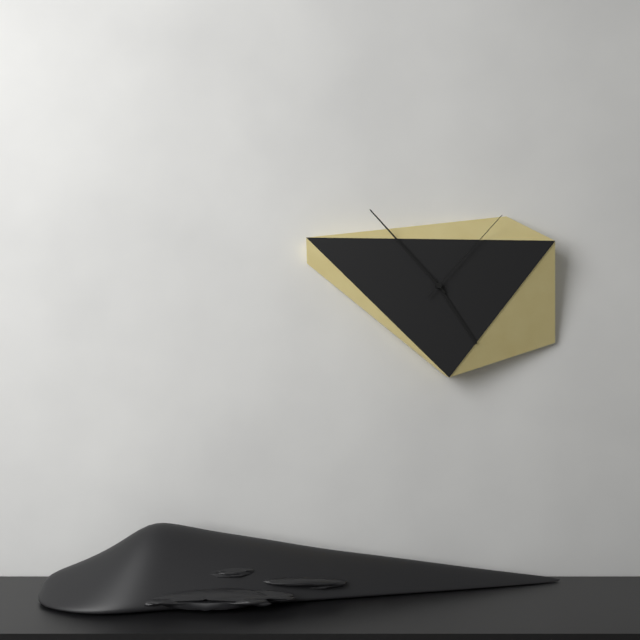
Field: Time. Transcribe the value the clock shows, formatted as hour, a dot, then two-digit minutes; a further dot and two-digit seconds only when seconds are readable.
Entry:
4.53.07
